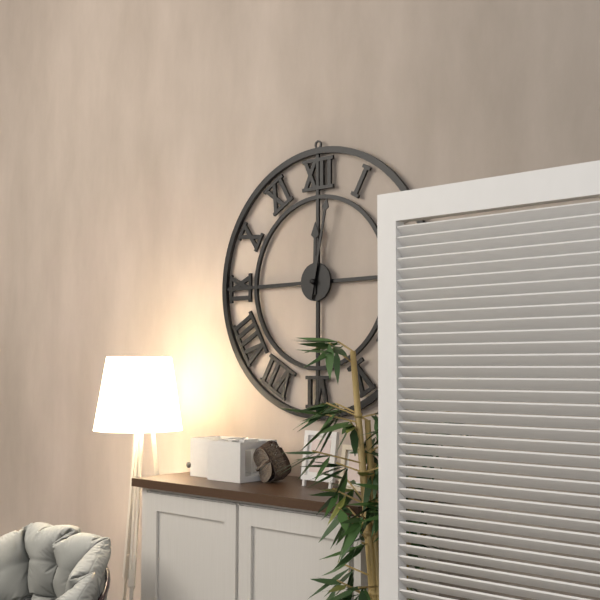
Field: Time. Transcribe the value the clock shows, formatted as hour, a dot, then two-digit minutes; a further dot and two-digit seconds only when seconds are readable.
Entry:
12.02
